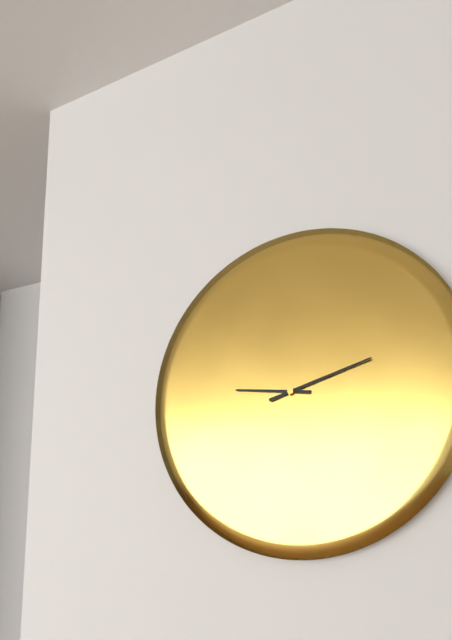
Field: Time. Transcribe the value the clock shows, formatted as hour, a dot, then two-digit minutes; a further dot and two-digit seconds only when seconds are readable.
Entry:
9.12
